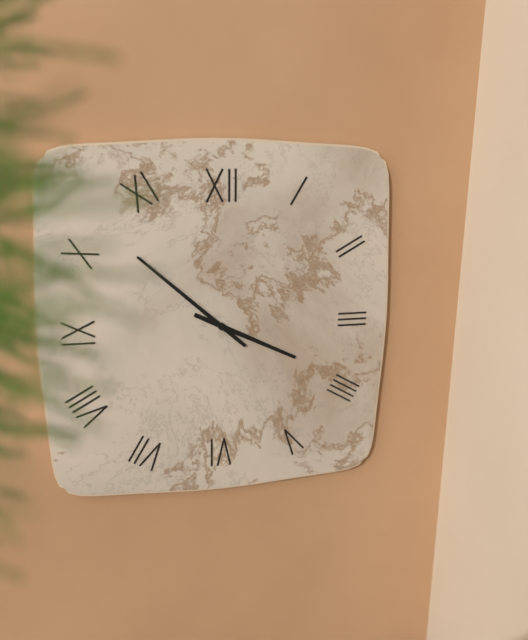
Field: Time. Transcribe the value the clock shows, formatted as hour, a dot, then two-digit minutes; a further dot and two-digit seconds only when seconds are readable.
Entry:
3.52
